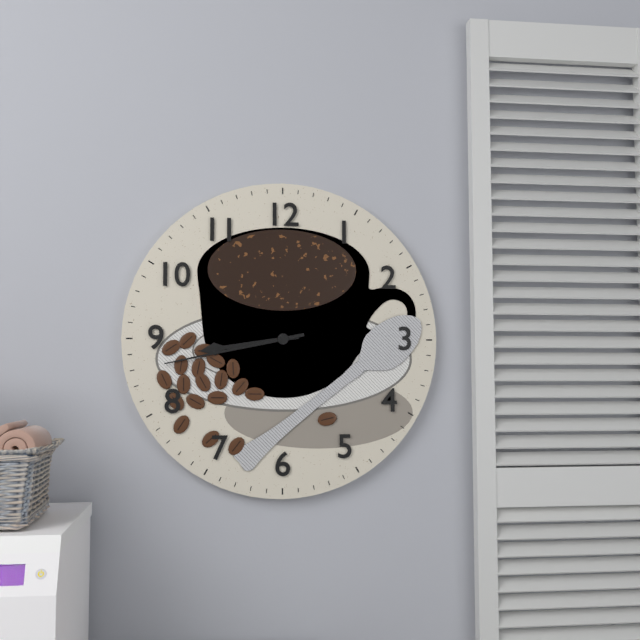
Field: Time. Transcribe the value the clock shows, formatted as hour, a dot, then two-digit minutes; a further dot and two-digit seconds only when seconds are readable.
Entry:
8.43
